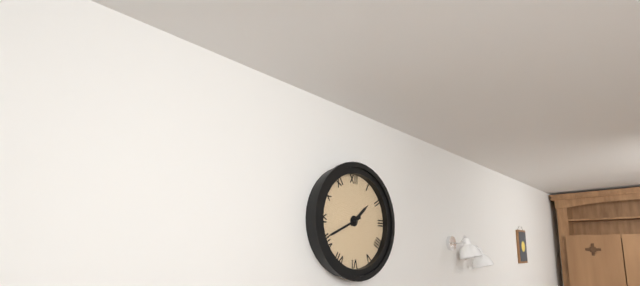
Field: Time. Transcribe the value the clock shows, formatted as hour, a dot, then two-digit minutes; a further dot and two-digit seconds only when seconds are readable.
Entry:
1.41
